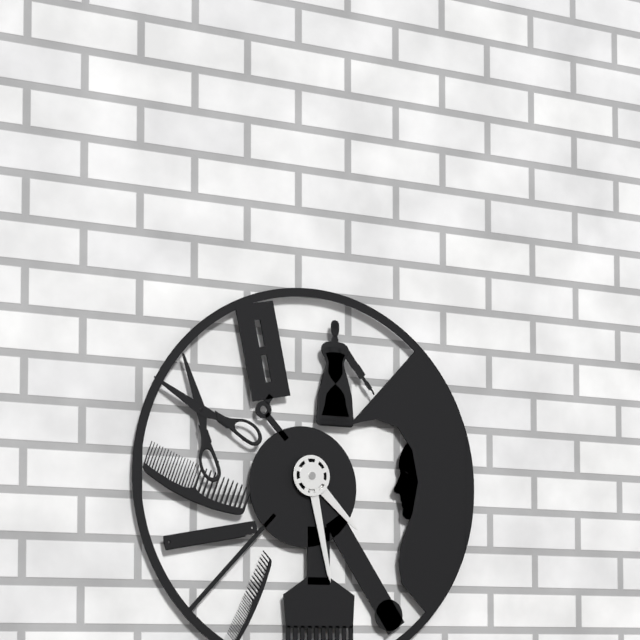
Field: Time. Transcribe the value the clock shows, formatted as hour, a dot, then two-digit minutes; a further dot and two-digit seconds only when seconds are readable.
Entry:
4.28
